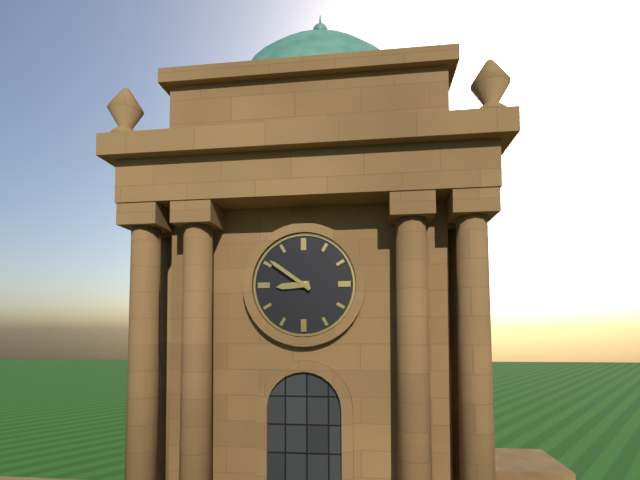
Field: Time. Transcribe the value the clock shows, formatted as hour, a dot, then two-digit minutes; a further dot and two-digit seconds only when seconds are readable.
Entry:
8.51
